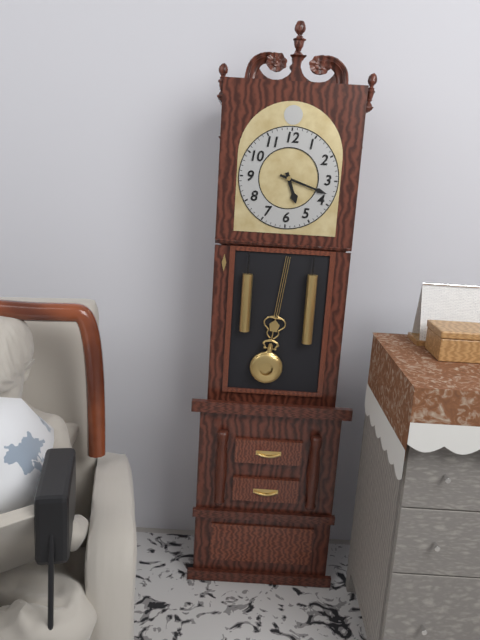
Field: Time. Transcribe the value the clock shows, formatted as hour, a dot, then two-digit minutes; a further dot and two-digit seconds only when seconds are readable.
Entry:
5.18
